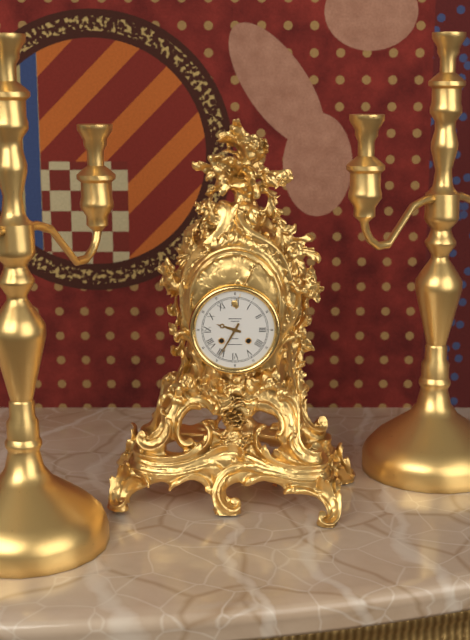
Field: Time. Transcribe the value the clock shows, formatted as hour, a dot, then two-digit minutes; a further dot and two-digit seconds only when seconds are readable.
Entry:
9.35
